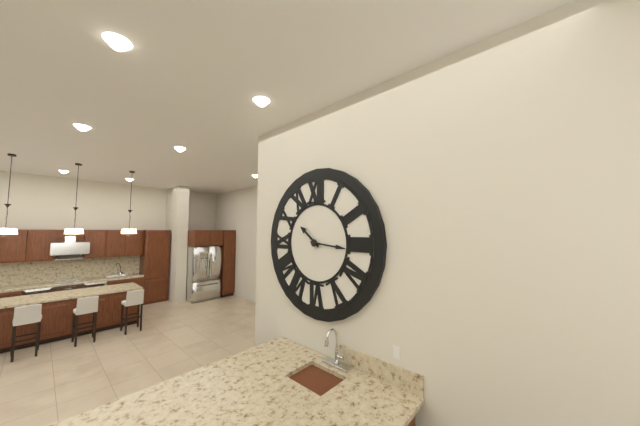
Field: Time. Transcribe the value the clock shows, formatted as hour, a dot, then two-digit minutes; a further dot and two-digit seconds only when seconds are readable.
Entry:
10.16
